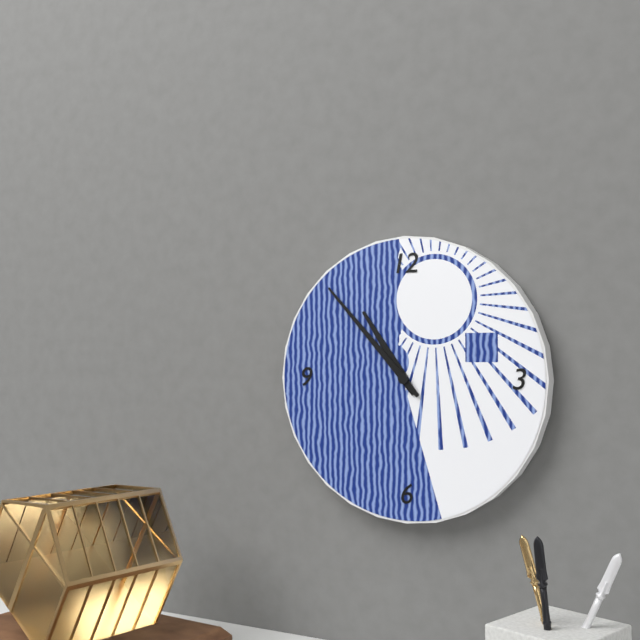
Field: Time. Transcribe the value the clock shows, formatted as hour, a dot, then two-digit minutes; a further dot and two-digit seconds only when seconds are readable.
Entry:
10.53
